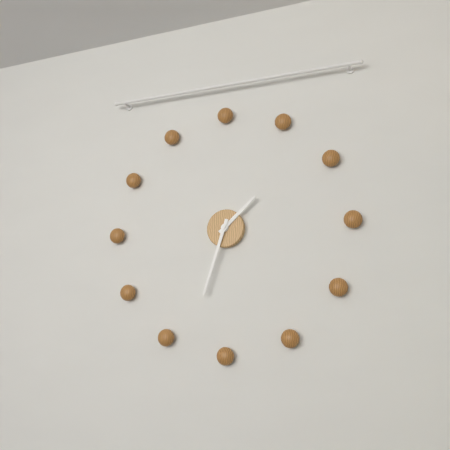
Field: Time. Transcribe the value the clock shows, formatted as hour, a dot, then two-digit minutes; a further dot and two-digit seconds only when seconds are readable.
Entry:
1.33
